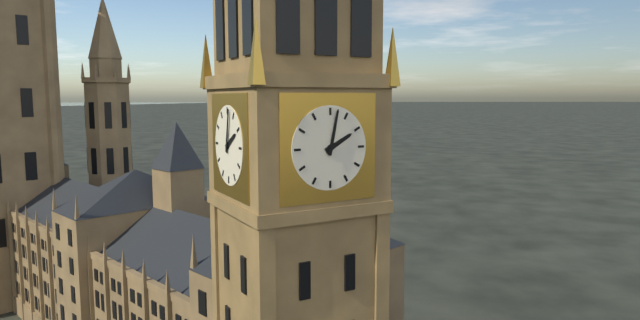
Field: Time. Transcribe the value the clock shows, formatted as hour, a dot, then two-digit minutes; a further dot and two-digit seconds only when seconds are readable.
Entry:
2.02
